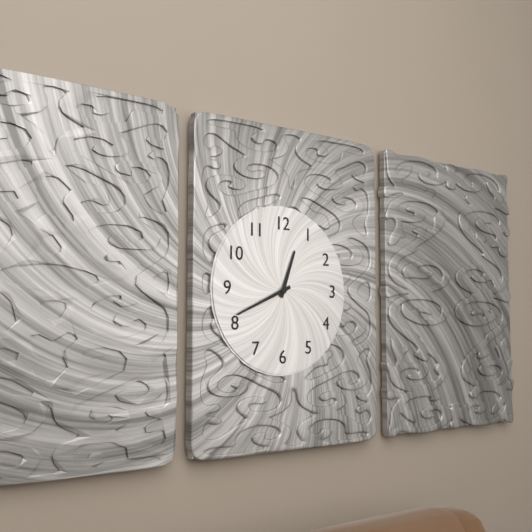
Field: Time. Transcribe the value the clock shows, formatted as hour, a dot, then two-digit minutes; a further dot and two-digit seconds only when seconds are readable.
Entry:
12.41
